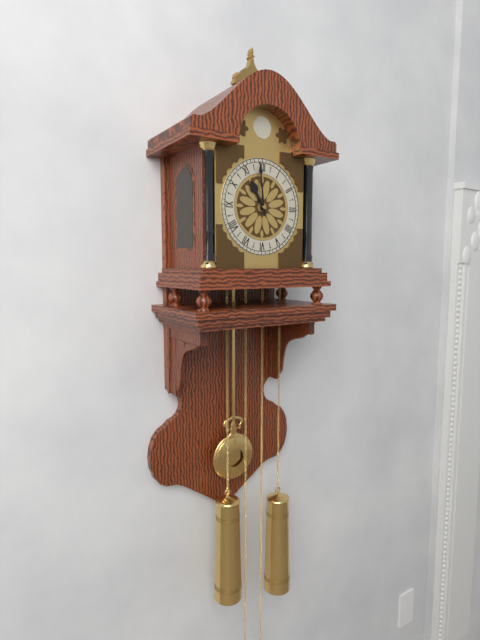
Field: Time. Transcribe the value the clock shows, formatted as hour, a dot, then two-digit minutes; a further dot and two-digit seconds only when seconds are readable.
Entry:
10.59
